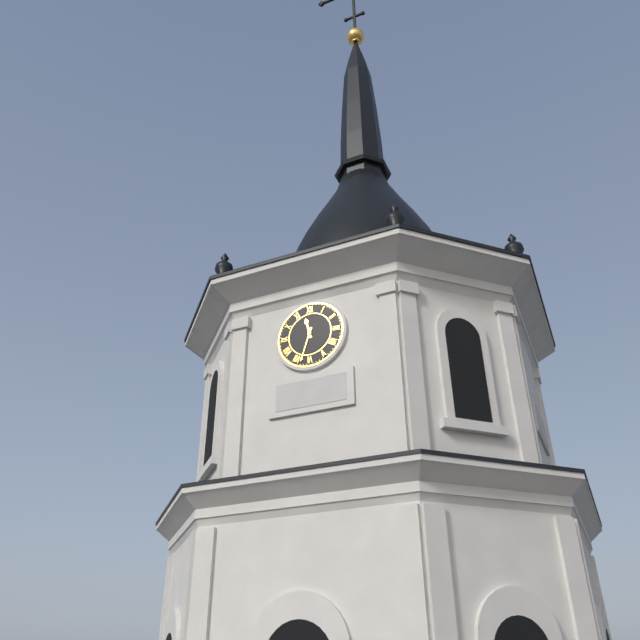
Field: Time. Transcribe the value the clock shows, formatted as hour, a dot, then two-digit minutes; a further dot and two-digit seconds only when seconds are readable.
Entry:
11.33
